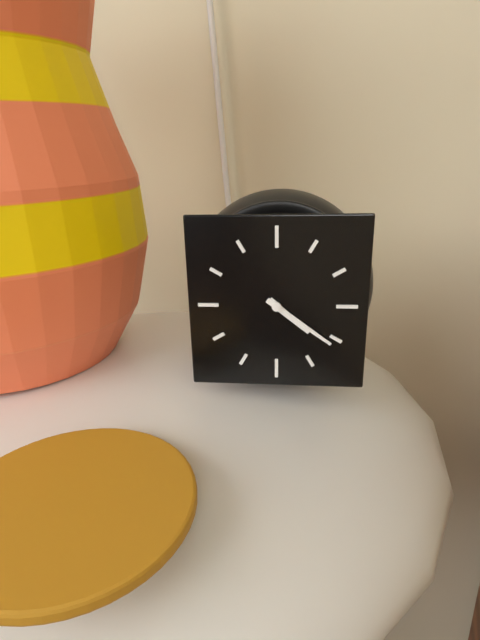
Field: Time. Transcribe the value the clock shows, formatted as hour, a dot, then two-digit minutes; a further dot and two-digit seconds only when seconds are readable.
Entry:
4.21
